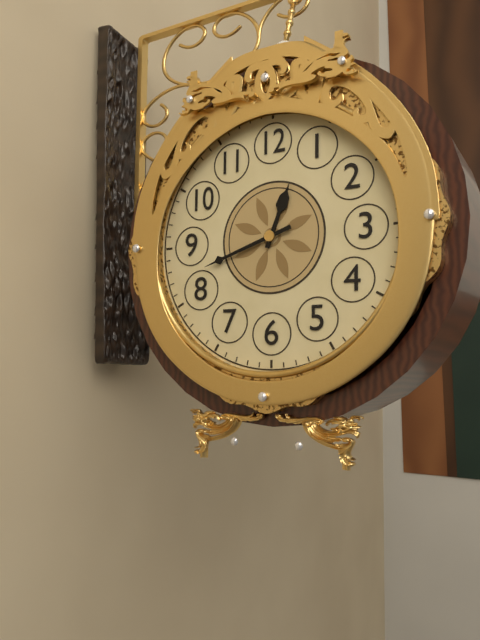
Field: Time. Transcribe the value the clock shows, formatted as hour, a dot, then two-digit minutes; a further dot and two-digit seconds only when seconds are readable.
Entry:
12.42
